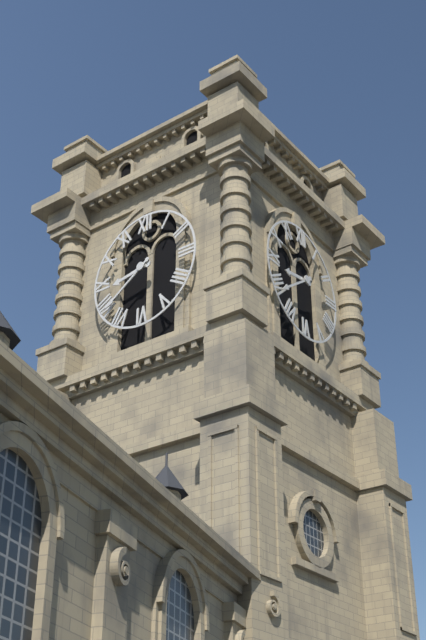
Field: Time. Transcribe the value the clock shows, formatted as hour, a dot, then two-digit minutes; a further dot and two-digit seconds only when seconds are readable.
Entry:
8.39
